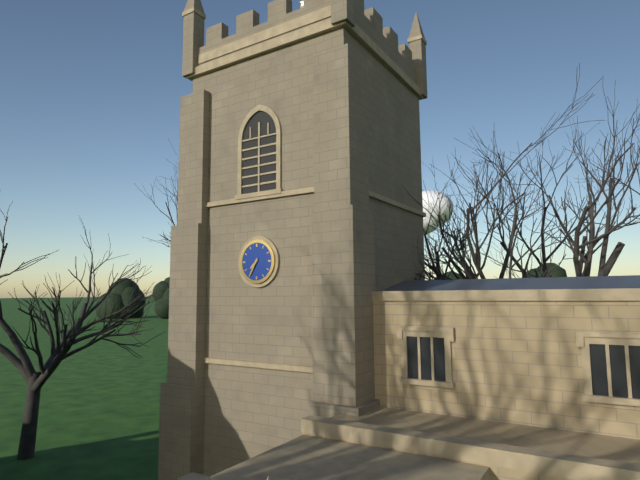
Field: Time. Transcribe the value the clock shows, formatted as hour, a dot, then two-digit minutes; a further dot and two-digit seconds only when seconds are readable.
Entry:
7.35
